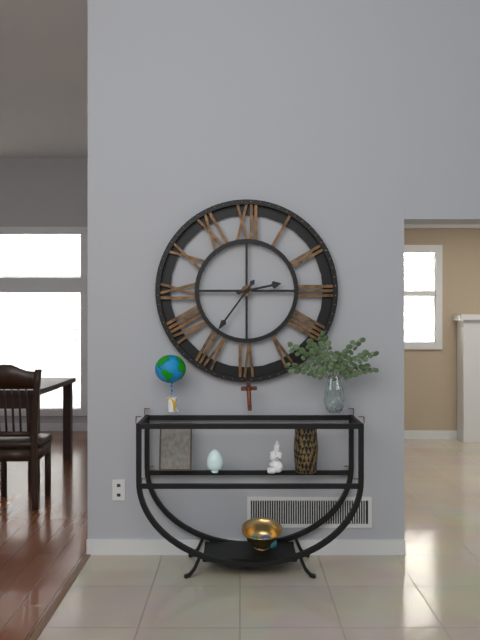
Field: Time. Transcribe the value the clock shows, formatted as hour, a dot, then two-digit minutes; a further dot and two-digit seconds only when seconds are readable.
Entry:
2.36
